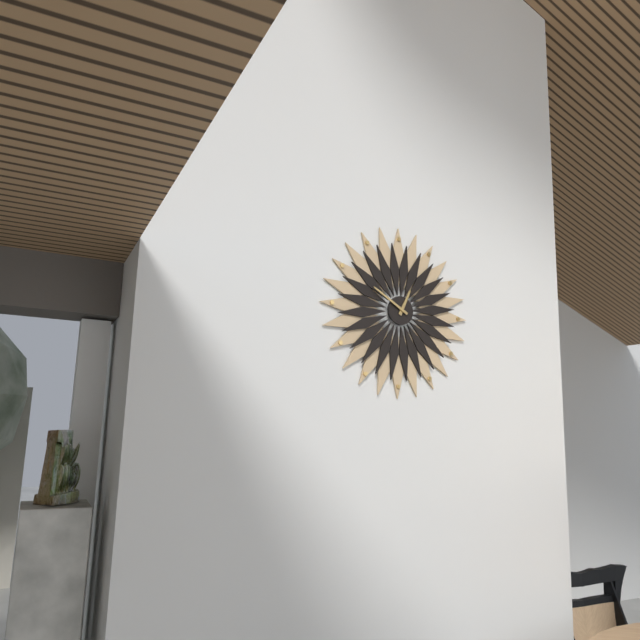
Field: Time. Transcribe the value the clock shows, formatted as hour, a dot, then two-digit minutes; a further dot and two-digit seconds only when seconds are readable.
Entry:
12.50
